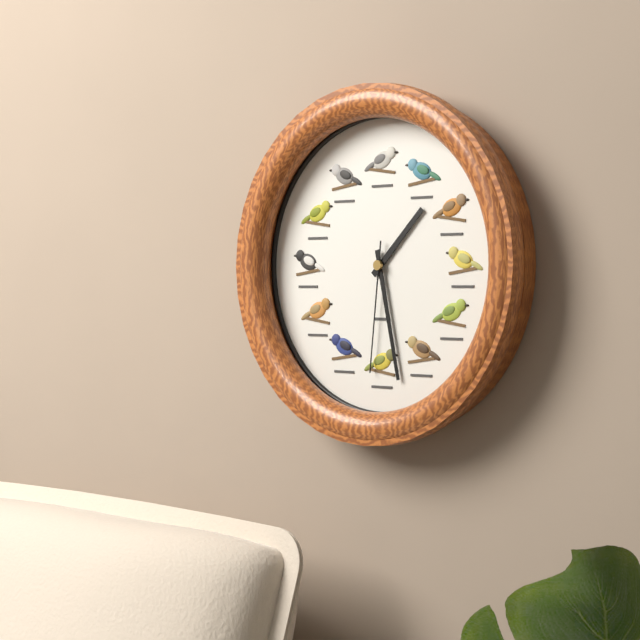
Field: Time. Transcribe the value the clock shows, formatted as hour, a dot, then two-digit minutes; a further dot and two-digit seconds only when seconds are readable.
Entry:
1.28.31
